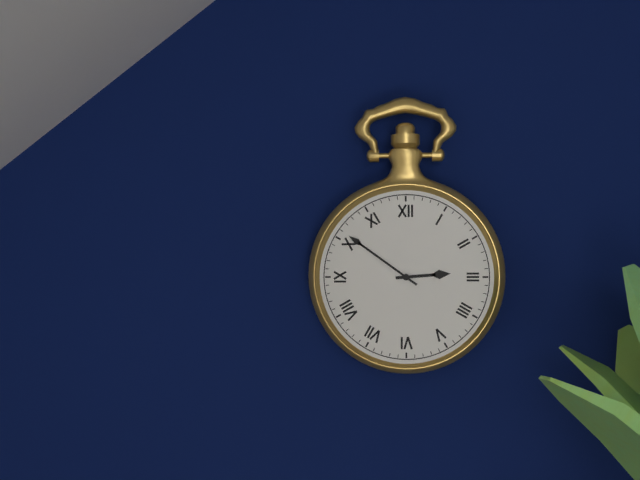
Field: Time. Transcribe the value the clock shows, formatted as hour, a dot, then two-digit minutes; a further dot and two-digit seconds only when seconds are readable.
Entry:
2.51
